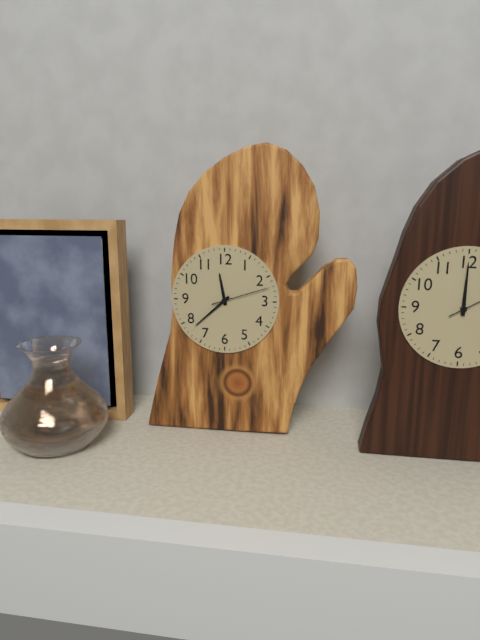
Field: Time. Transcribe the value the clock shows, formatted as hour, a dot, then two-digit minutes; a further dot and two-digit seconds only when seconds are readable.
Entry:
11.38.12
